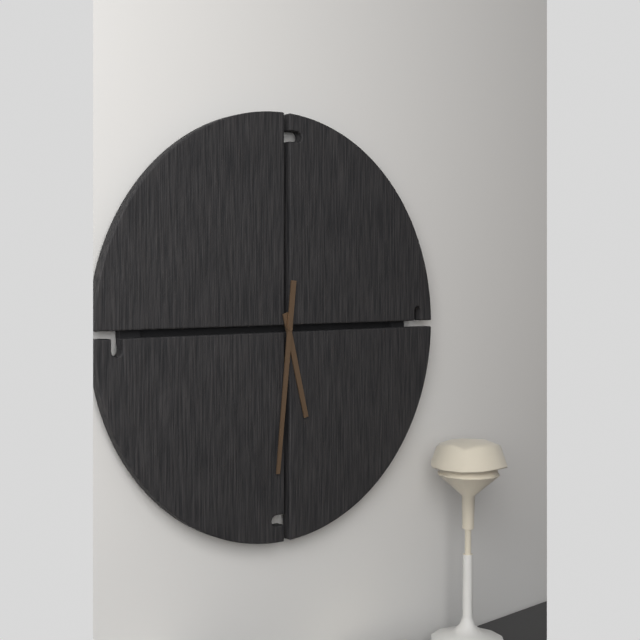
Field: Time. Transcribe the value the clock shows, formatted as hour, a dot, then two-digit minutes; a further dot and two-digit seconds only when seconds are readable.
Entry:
5.31
